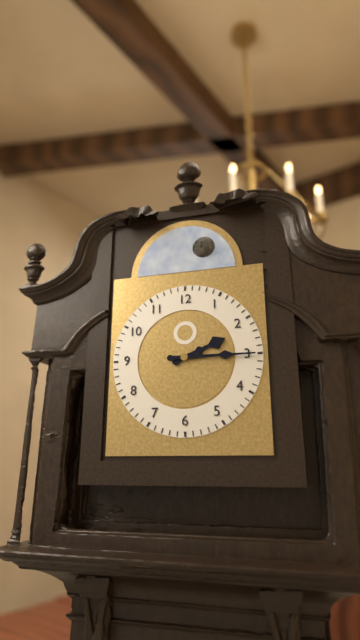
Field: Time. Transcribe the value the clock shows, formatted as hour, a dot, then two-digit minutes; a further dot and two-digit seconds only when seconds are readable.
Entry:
2.15
